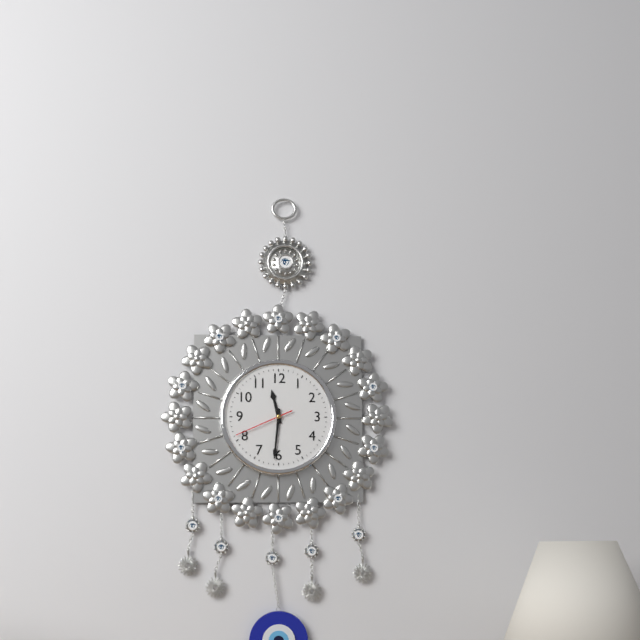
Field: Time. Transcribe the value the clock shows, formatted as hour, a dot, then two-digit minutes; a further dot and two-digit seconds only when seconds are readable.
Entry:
11.31.41
